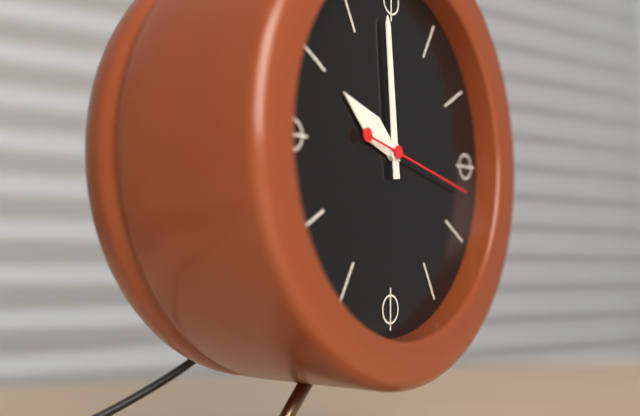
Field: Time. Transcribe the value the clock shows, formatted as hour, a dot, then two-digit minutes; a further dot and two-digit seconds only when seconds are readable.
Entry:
9.59.17
